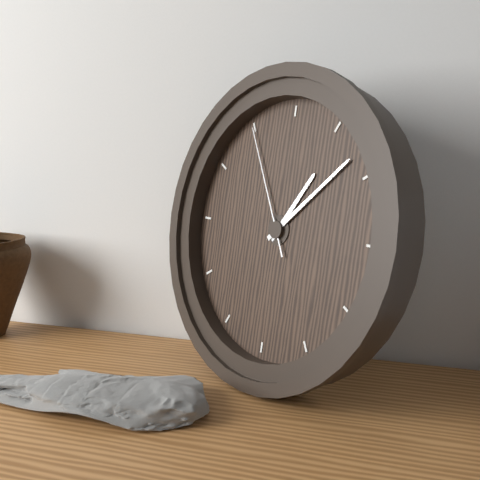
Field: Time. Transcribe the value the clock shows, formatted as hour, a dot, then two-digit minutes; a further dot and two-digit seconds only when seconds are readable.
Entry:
1.08.55
